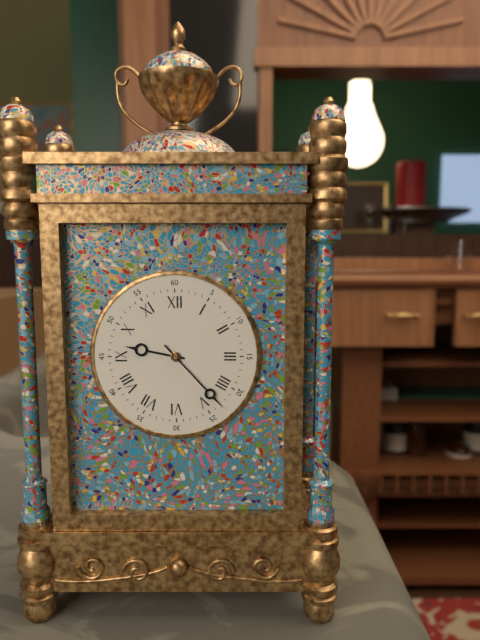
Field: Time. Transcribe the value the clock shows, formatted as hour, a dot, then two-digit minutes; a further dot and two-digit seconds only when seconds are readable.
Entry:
9.23
